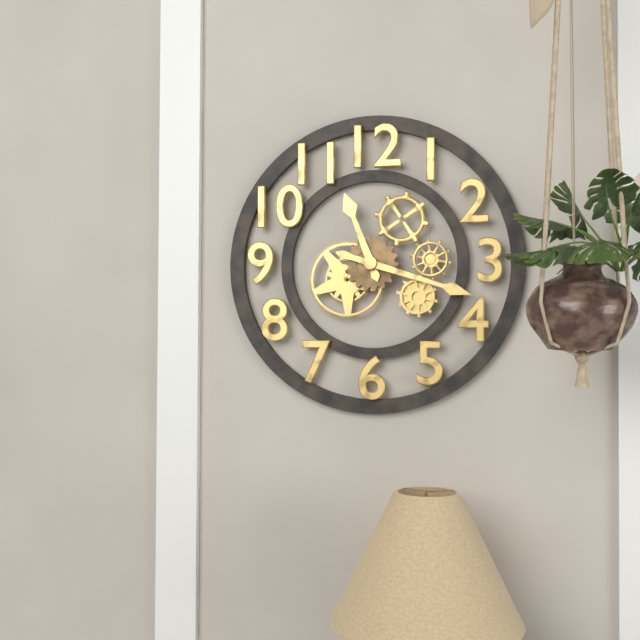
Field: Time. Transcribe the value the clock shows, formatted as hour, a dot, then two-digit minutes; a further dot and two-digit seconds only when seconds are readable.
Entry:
11.18
